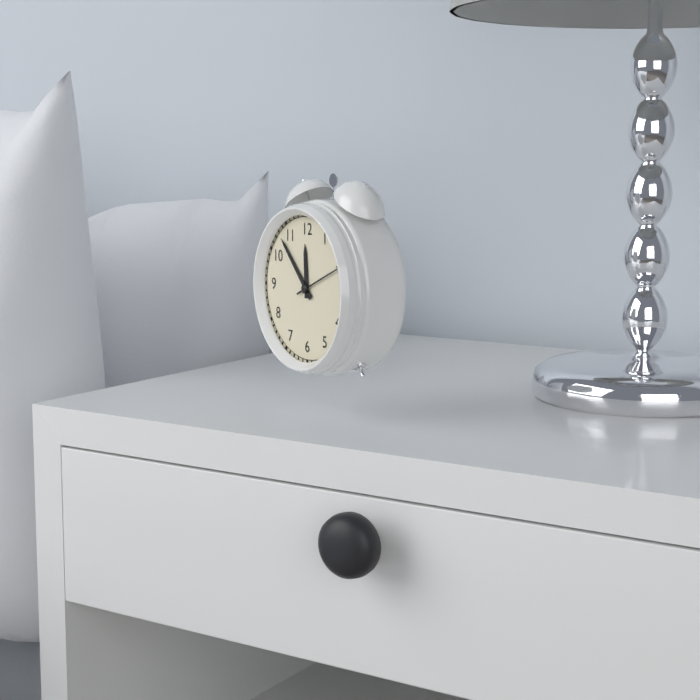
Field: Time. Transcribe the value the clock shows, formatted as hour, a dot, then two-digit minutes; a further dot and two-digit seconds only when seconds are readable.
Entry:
11.53.11
